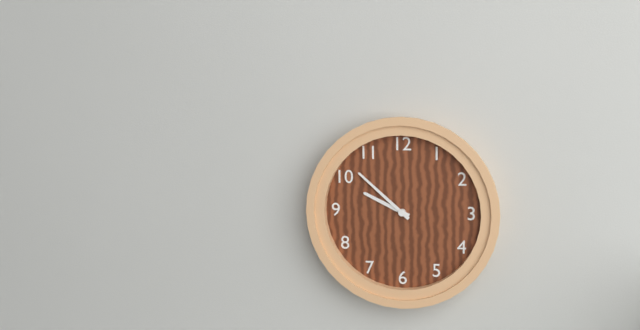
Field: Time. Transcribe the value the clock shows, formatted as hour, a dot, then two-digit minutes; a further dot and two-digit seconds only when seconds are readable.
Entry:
9.52
